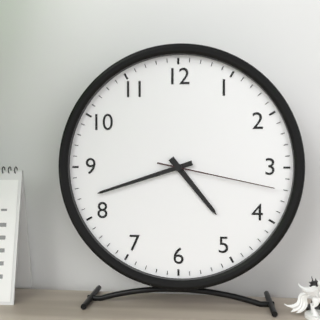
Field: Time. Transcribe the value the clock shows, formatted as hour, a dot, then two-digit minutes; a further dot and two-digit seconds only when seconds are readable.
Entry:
4.42.17
